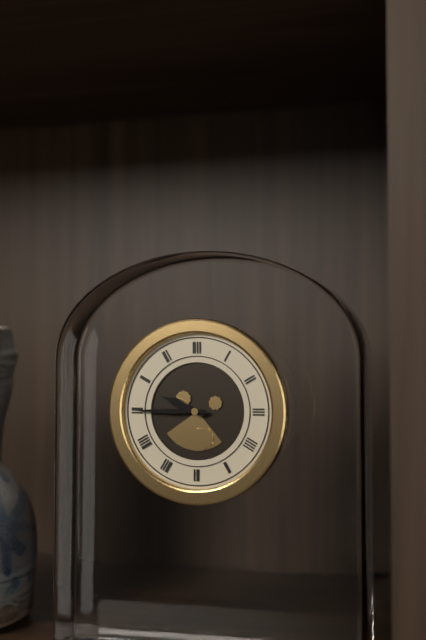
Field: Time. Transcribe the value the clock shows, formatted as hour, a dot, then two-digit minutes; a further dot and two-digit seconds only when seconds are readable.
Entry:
9.45
